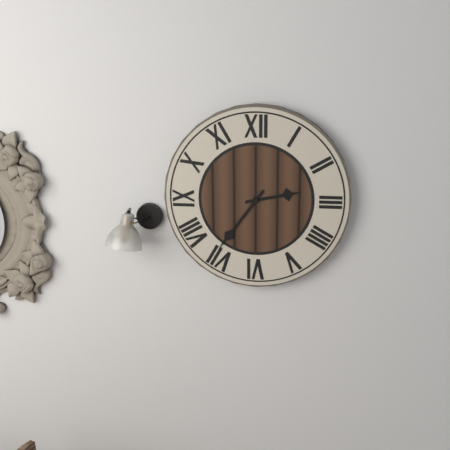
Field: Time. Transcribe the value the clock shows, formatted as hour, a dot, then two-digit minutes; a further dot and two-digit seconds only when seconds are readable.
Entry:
2.36
